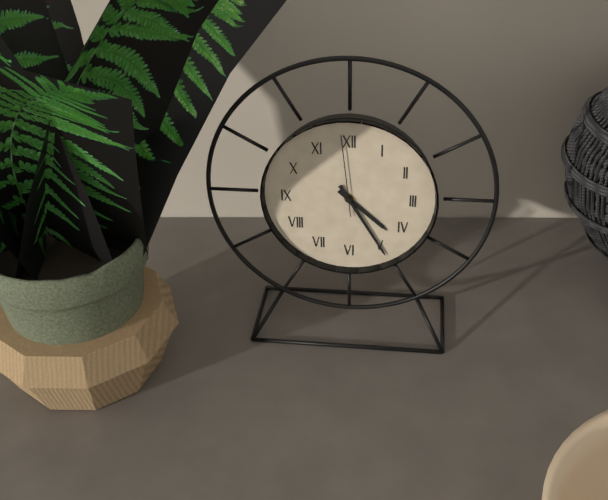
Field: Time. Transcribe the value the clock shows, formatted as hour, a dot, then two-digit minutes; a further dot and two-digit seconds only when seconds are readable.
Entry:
4.25.59
